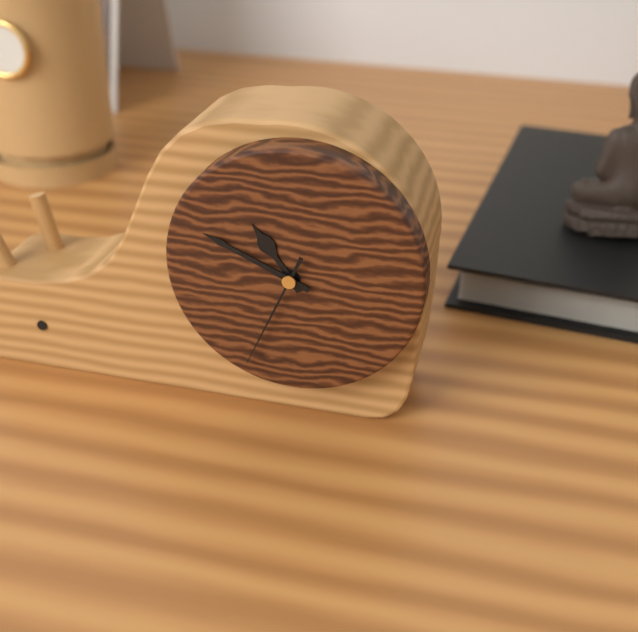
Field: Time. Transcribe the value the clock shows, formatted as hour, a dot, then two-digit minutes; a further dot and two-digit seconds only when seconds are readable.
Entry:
10.49.34
